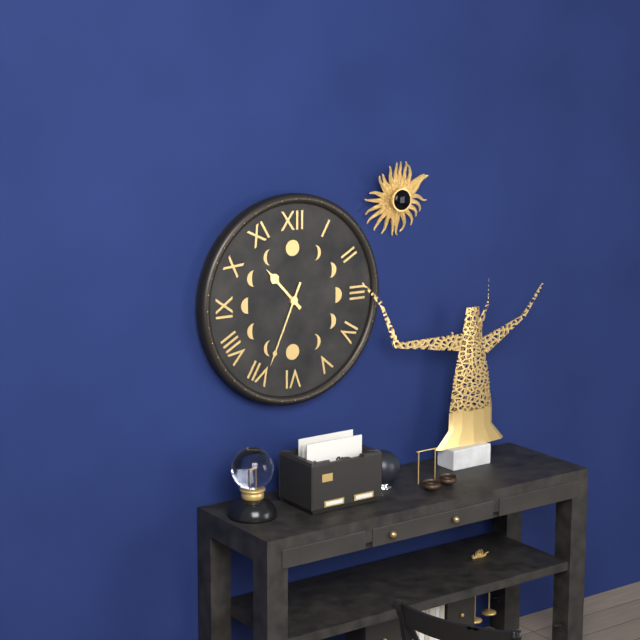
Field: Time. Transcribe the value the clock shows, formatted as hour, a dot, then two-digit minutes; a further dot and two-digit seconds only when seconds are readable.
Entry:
10.34
